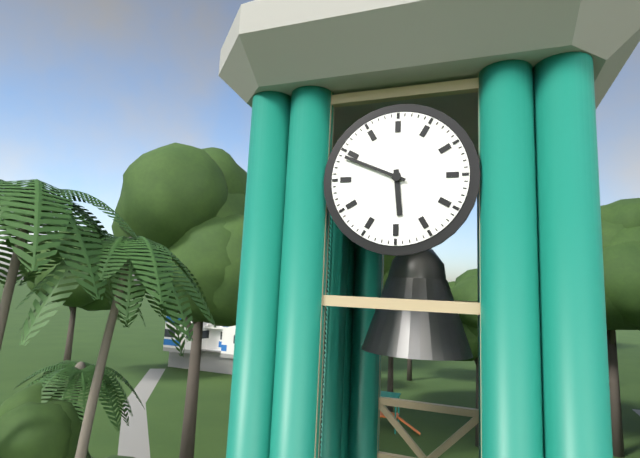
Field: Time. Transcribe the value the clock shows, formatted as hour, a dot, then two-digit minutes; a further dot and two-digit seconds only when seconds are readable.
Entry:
5.49
